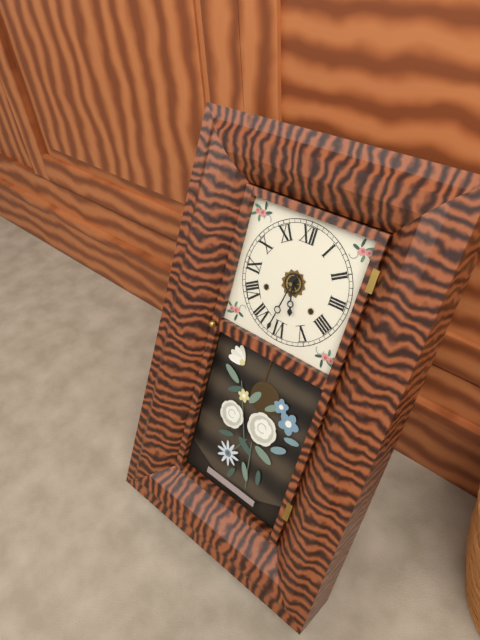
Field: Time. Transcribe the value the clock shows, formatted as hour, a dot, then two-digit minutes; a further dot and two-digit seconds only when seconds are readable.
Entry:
5.32
